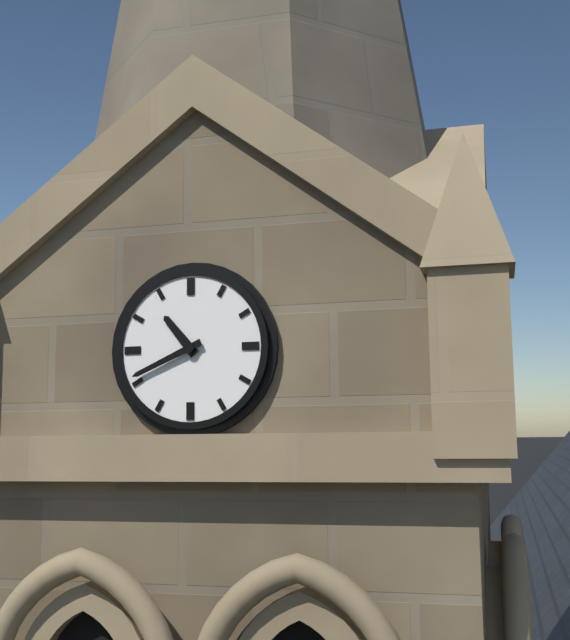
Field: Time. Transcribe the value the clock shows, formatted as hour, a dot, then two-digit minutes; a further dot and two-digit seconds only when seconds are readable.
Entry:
10.41
